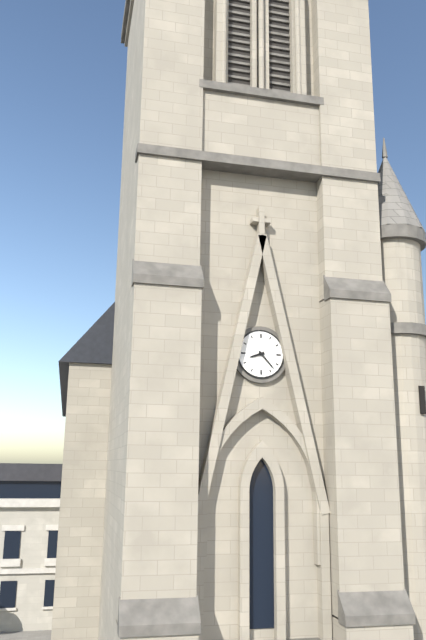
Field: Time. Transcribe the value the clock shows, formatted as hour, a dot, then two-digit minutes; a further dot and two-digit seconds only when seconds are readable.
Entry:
8.23
